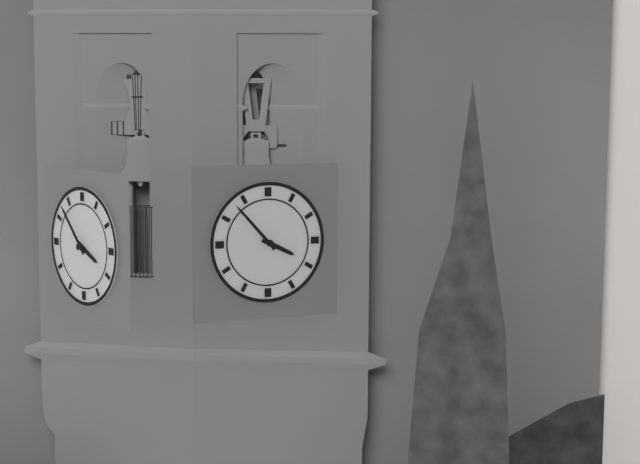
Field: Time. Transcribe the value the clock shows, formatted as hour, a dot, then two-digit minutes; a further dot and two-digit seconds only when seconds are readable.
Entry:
3.53
